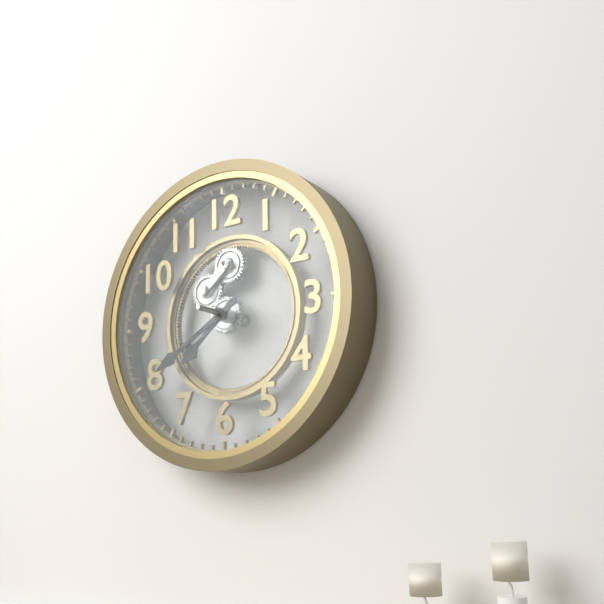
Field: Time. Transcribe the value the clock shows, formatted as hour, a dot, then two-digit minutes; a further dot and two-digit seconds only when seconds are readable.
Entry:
7.40
